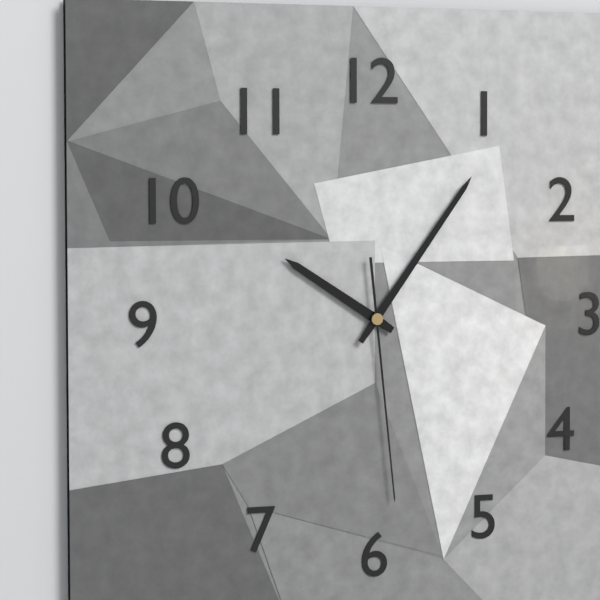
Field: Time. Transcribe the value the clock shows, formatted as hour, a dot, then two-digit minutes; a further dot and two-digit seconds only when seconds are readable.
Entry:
10.06.29
